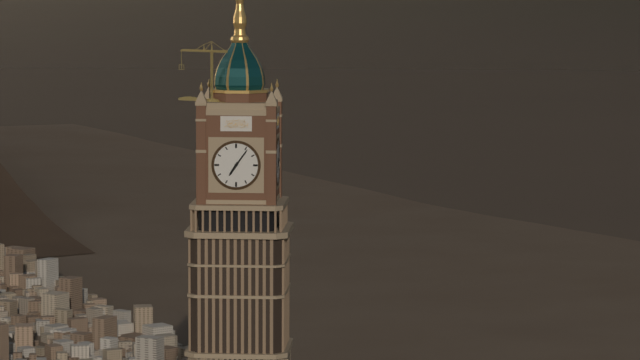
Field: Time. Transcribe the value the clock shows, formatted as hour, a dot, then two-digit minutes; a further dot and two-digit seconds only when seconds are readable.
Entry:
7.06
